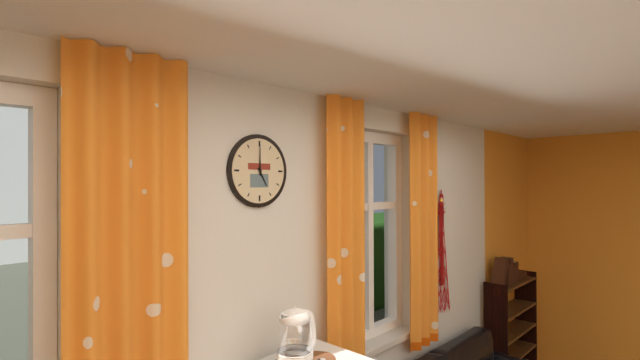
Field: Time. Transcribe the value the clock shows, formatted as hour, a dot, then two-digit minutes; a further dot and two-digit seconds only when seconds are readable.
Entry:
5.00
